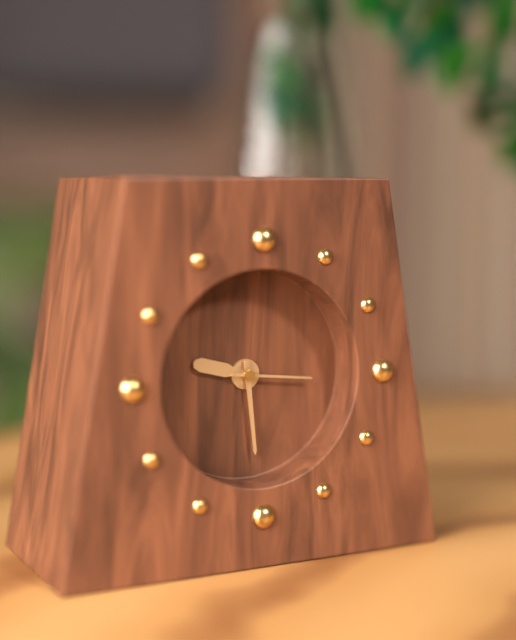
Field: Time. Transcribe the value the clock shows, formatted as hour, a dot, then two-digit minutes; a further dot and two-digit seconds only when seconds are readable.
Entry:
9.29.16
